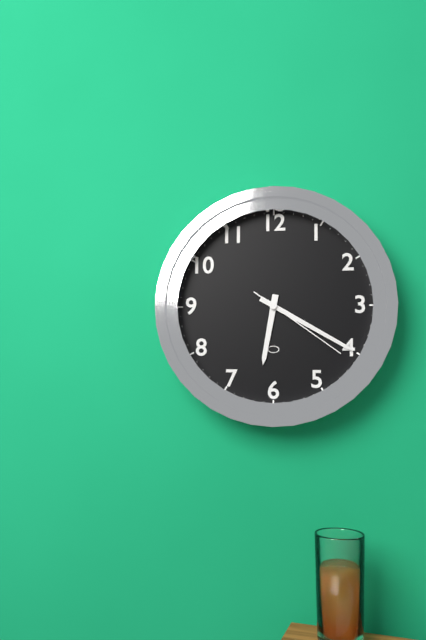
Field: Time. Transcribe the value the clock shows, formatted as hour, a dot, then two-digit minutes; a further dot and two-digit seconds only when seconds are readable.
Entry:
6.20.21
